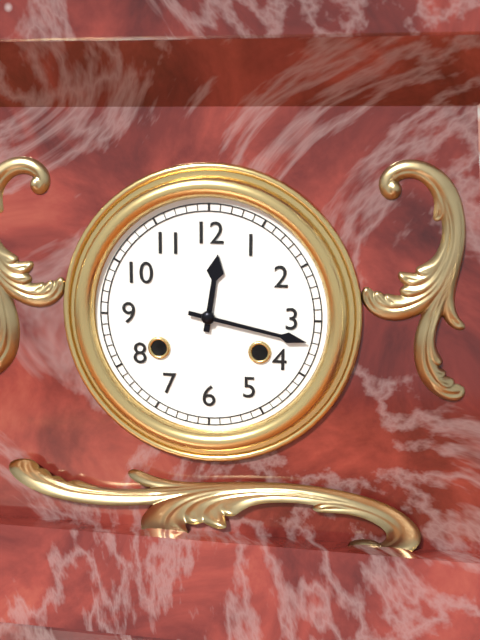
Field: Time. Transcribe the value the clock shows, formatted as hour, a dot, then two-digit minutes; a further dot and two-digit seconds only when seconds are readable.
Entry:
12.17
